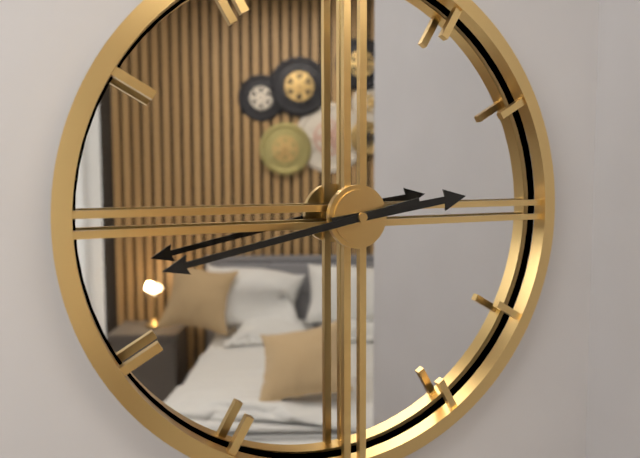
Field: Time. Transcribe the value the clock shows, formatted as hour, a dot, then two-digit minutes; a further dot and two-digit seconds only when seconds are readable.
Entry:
2.43
